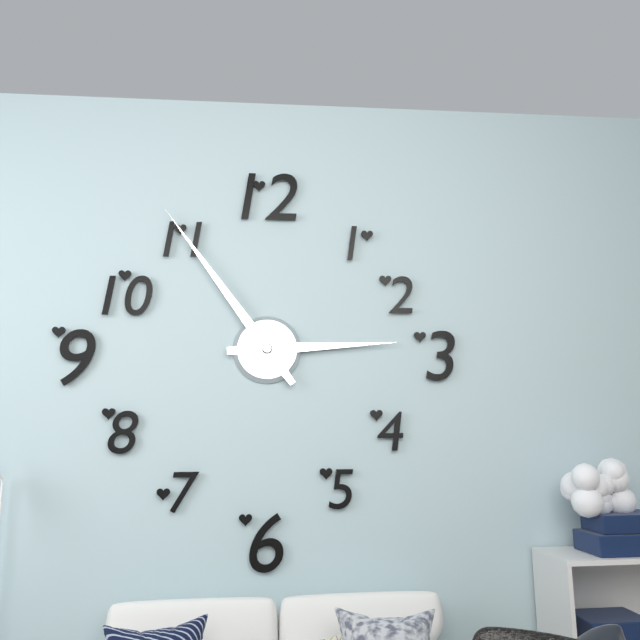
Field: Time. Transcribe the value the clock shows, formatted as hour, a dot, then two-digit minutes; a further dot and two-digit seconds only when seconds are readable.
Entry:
2.54
